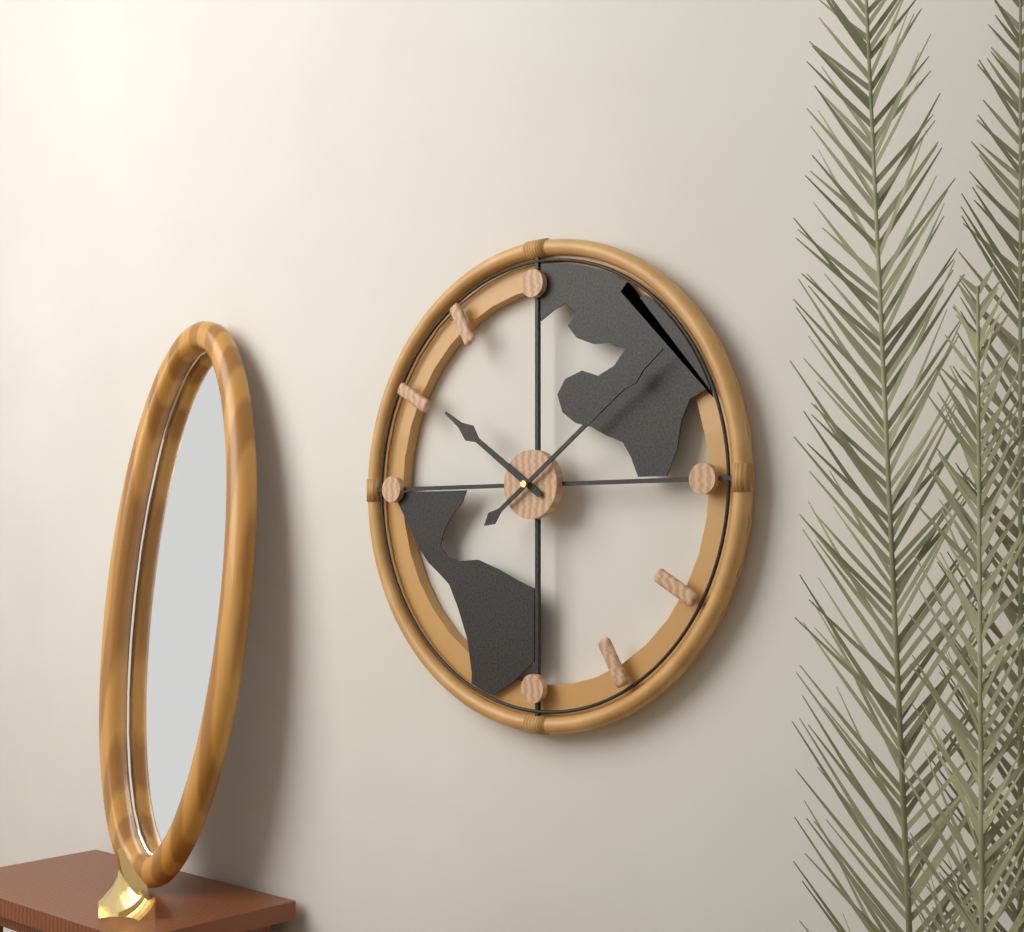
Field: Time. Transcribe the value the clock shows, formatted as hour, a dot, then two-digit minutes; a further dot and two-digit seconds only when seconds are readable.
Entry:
10.09
